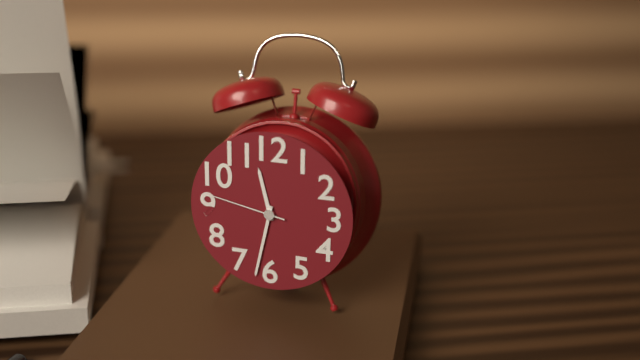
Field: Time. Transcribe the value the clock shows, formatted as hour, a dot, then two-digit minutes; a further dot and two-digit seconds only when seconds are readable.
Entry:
11.32.47
